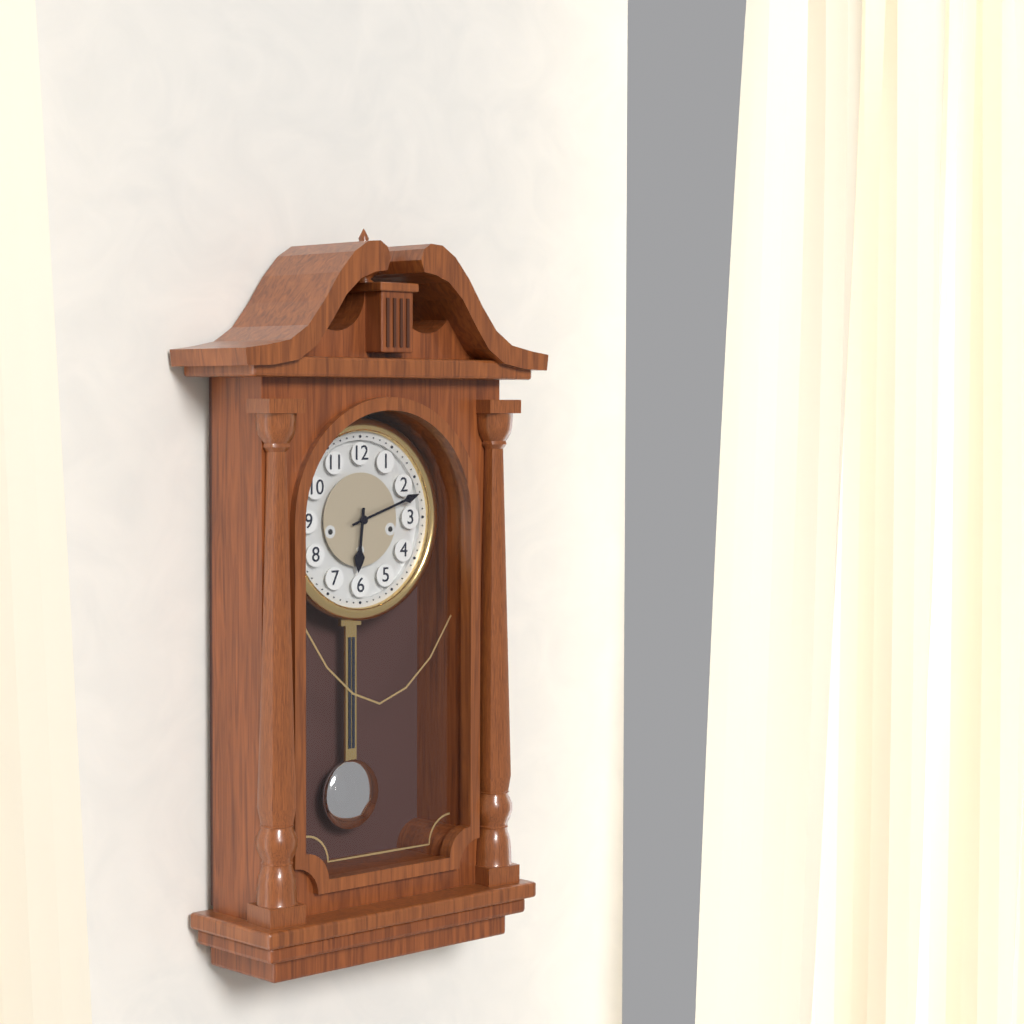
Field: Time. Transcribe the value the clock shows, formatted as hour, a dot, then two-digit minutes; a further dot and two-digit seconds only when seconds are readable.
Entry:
6.12
